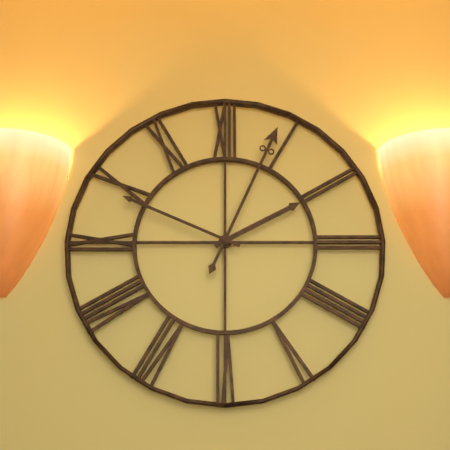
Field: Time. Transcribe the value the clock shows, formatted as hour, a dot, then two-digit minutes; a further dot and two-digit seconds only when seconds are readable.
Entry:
2.04.49
